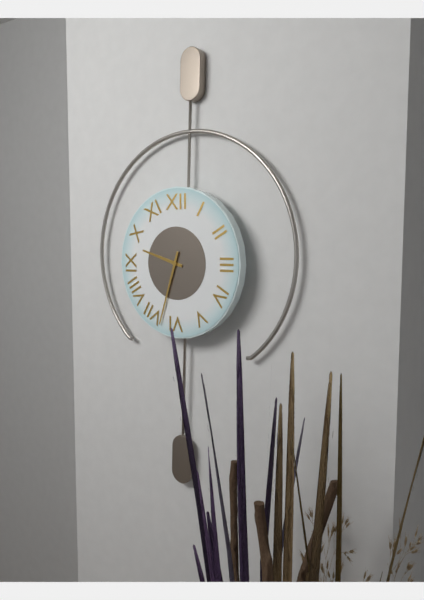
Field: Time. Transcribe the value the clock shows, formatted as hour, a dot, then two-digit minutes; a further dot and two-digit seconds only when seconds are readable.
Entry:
9.33
